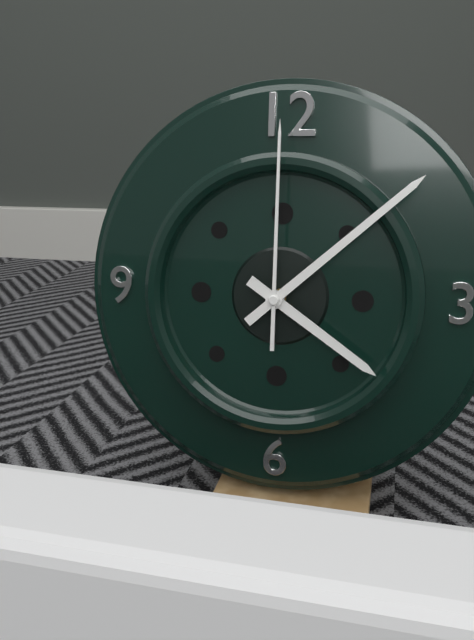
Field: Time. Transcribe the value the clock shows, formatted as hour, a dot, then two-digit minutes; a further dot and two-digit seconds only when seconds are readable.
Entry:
4.08.00
